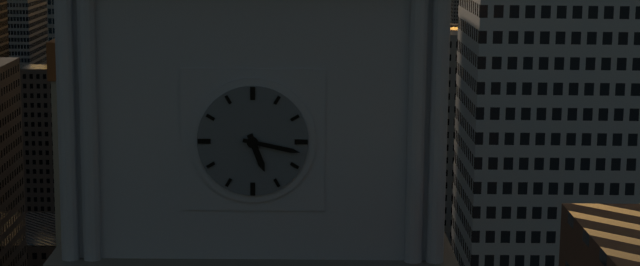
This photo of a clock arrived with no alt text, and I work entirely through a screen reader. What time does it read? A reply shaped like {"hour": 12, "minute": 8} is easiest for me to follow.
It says {"hour": 5, "minute": 17}
